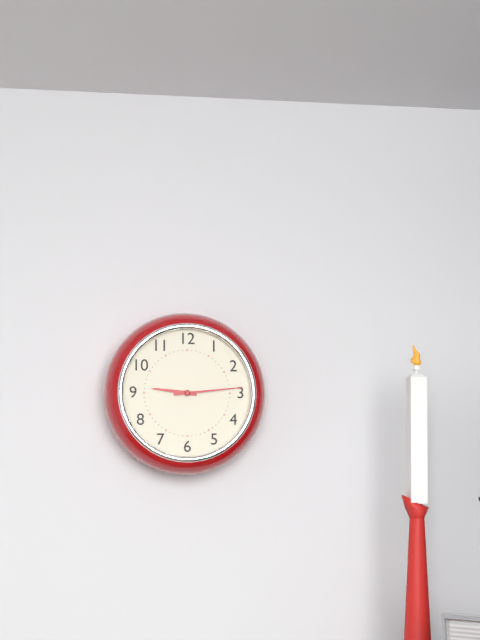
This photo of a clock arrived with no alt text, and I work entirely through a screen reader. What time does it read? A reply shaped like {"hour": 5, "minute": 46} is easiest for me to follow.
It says {"hour": 9, "minute": 14}
